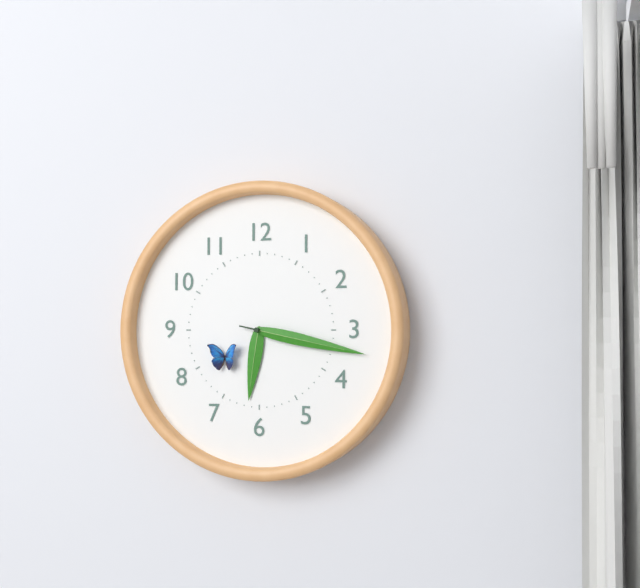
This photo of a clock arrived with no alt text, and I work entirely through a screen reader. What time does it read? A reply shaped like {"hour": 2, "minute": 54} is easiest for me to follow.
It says {"hour": 6, "minute": 17}
